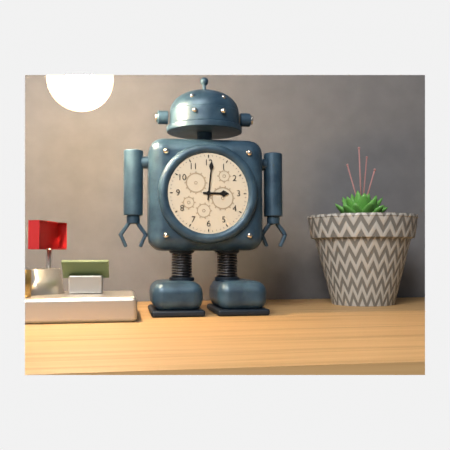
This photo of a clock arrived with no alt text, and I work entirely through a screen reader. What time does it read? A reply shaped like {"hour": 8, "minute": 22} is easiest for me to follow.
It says {"hour": 3, "minute": 1}
